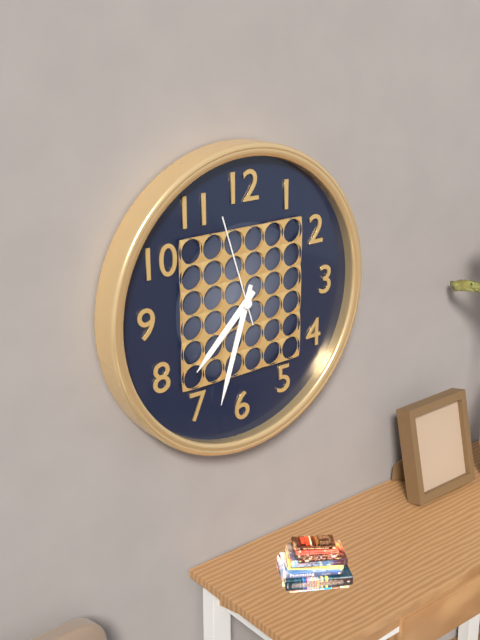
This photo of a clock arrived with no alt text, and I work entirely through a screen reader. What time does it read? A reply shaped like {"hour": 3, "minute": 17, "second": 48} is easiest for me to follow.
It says {"hour": 7, "minute": 33, "second": 57}
